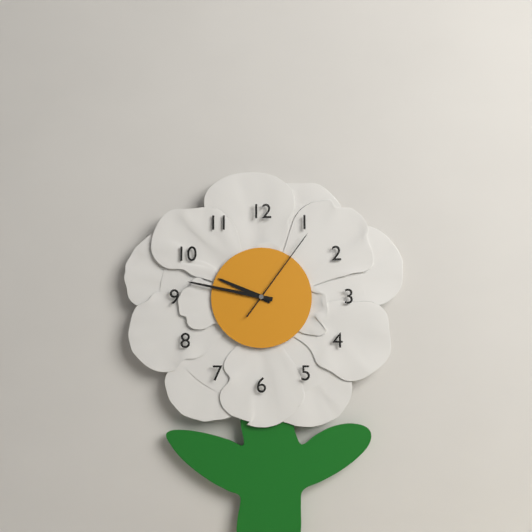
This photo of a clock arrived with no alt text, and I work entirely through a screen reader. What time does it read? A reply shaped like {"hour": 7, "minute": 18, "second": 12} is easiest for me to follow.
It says {"hour": 9, "minute": 47, "second": 6}
